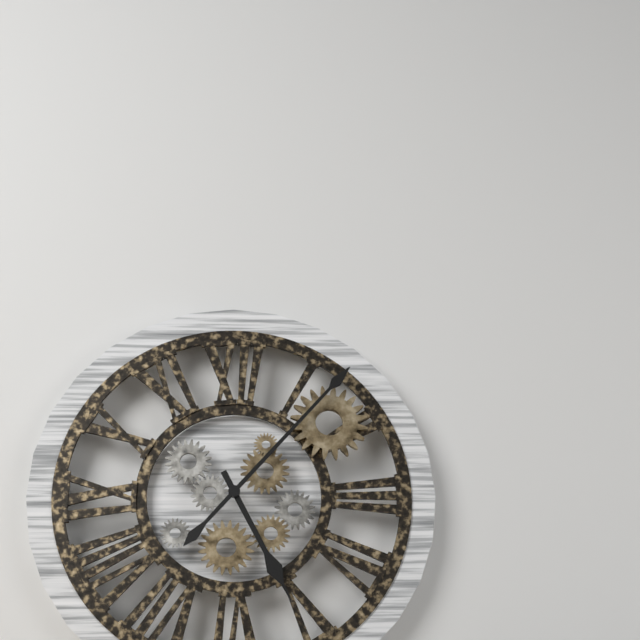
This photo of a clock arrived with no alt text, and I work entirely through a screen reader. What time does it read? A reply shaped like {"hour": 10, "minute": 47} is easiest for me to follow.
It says {"hour": 5, "minute": 7}
